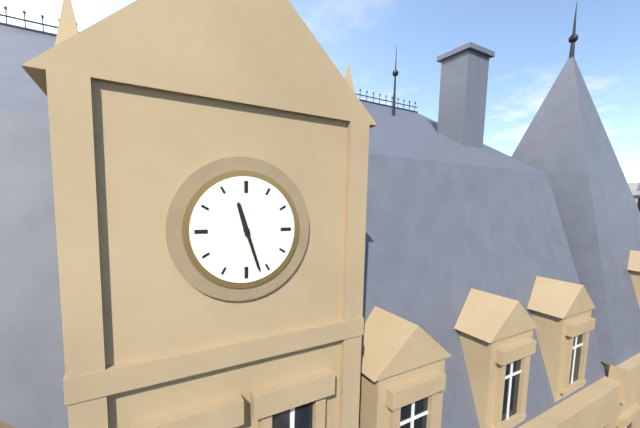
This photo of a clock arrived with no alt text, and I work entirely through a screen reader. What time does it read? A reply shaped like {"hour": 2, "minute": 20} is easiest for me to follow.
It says {"hour": 11, "minute": 27}
